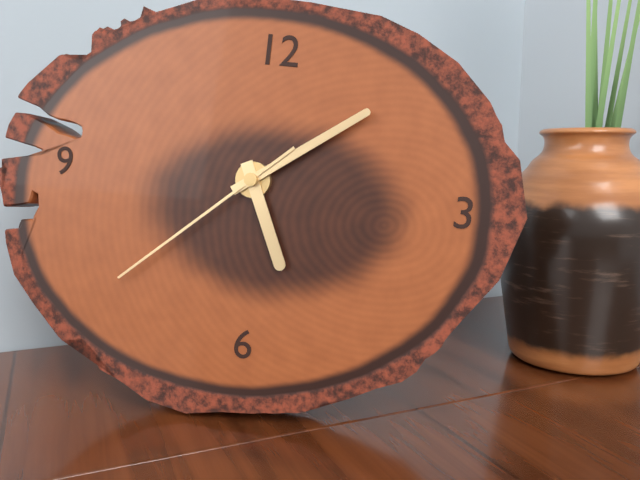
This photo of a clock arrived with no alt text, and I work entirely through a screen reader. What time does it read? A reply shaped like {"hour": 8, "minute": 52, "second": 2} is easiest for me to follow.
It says {"hour": 5, "minute": 9, "second": 38}
